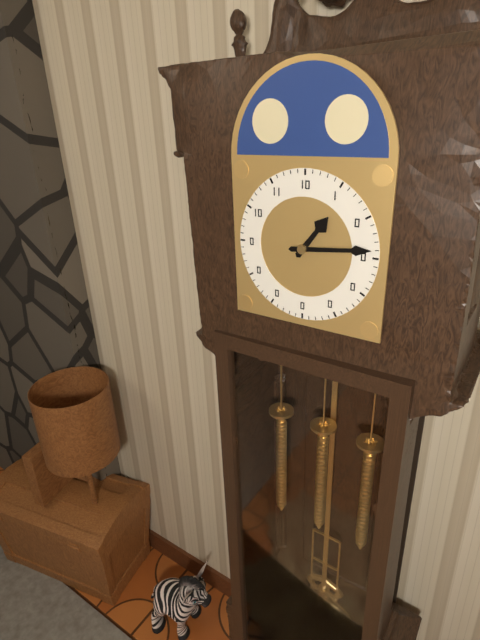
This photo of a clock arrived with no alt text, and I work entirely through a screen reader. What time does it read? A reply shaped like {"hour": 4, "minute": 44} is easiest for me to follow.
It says {"hour": 1, "minute": 14}
